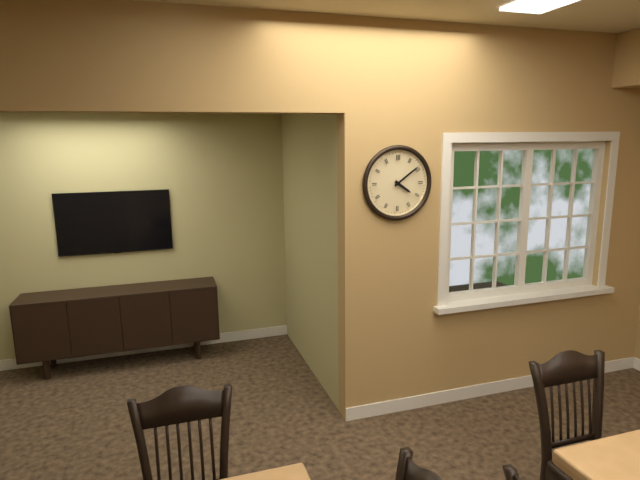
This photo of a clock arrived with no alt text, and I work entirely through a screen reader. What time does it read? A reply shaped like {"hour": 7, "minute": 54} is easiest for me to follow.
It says {"hour": 4, "minute": 9}
